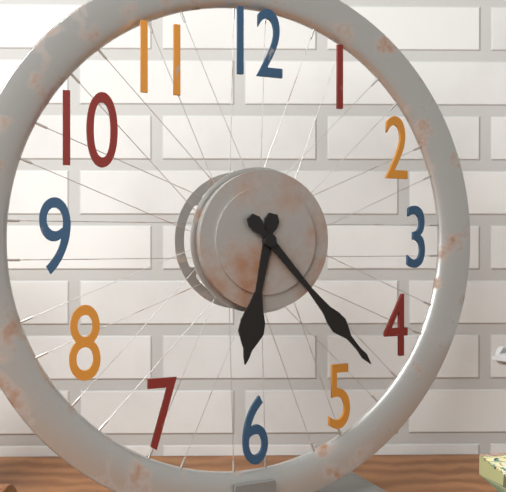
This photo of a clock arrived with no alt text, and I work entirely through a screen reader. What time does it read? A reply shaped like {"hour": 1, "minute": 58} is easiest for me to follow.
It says {"hour": 6, "minute": 23}
